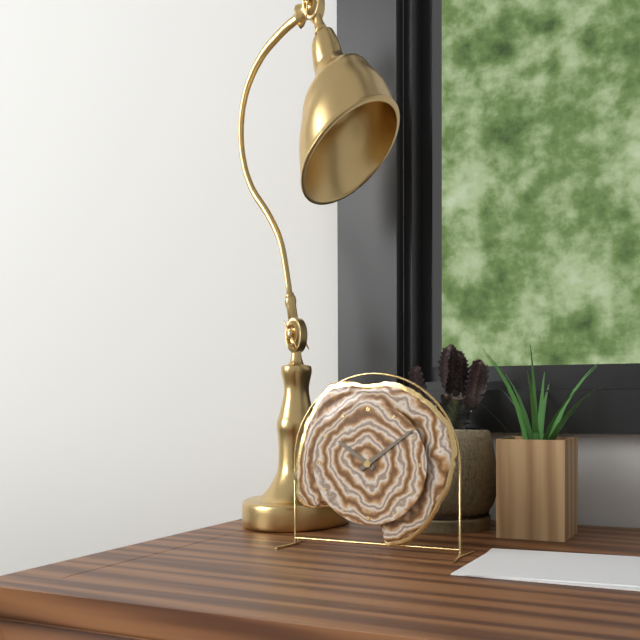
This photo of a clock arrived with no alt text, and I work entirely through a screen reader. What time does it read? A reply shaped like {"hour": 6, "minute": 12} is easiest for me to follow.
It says {"hour": 10, "minute": 9}
